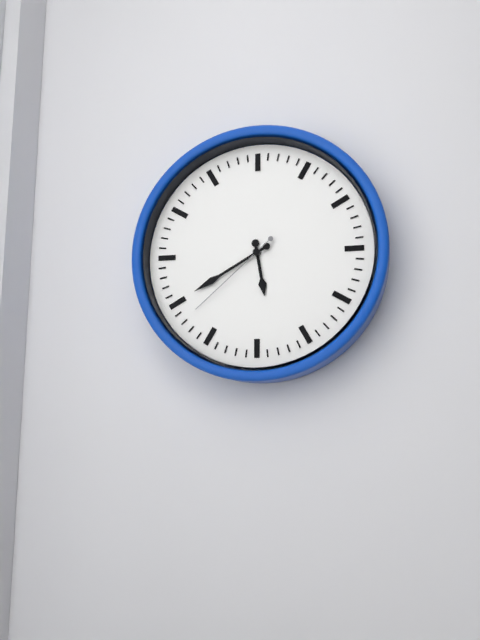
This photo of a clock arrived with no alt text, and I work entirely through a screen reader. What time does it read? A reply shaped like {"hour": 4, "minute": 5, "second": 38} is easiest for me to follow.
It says {"hour": 5, "minute": 40, "second": 38}
